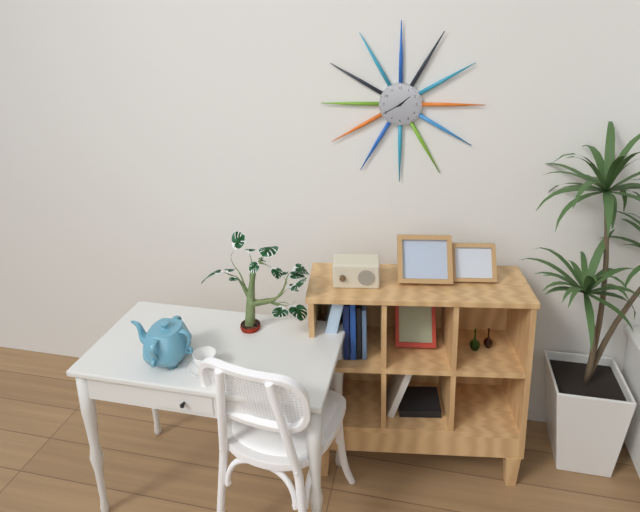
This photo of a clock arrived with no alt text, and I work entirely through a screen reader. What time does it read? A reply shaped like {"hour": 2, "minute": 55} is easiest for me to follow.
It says {"hour": 1, "minute": 40}
